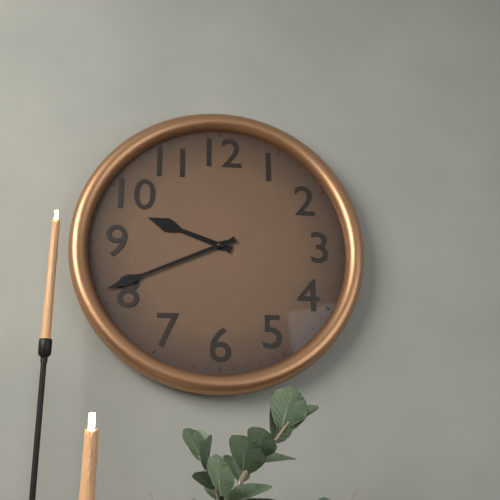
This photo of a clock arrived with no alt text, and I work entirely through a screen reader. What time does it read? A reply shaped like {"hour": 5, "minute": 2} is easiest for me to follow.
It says {"hour": 9, "minute": 41}
